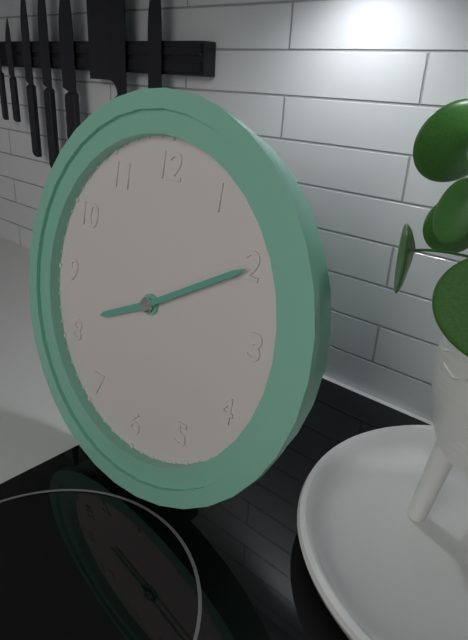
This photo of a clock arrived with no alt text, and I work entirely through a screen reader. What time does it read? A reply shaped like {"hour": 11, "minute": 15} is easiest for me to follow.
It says {"hour": 8, "minute": 10}
